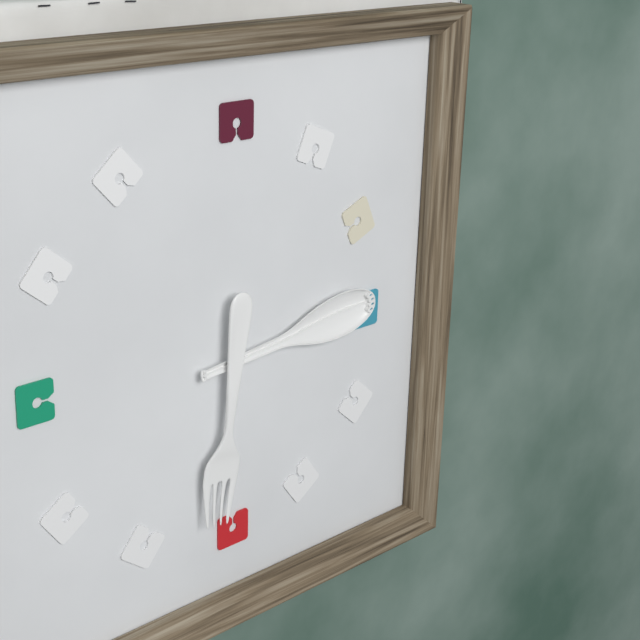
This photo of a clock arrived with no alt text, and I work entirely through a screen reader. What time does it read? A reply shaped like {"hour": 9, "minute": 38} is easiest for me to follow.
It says {"hour": 6, "minute": 14}
